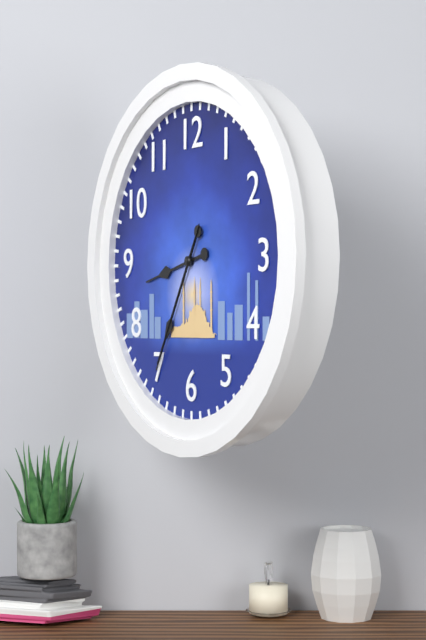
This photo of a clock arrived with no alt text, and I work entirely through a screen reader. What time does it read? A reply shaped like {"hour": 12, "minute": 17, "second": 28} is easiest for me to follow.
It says {"hour": 8, "minute": 35, "second": 35}
